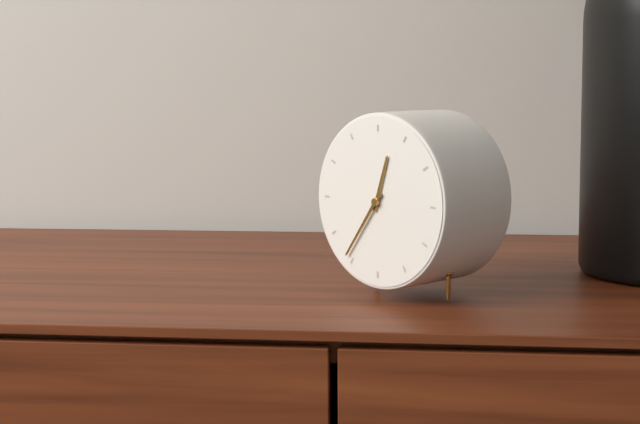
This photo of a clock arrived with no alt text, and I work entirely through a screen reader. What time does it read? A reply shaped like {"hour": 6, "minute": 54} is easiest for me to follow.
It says {"hour": 12, "minute": 36}
